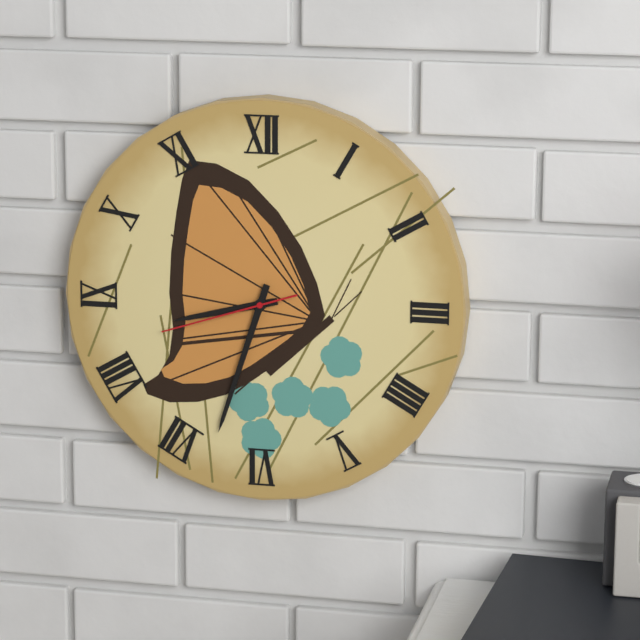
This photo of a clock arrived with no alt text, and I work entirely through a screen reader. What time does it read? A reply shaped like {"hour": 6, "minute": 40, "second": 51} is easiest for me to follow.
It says {"hour": 8, "minute": 33, "second": 42}
